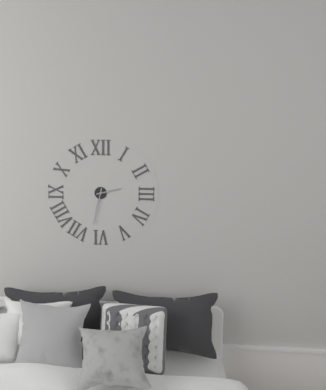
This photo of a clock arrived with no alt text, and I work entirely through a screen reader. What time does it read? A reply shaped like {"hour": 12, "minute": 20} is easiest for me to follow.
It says {"hour": 2, "minute": 32}
